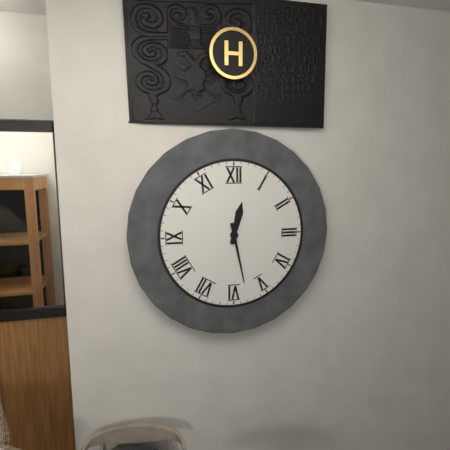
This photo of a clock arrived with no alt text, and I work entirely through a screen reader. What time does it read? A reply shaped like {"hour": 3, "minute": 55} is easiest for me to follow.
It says {"hour": 12, "minute": 28}
